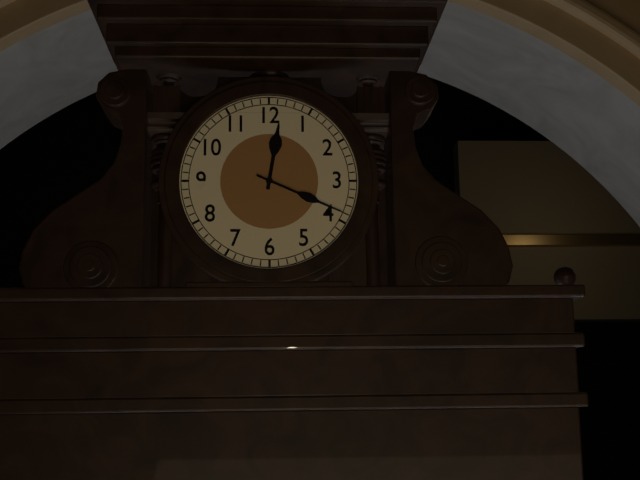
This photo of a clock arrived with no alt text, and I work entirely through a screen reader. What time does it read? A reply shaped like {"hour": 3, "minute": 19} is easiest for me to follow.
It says {"hour": 12, "minute": 19}
